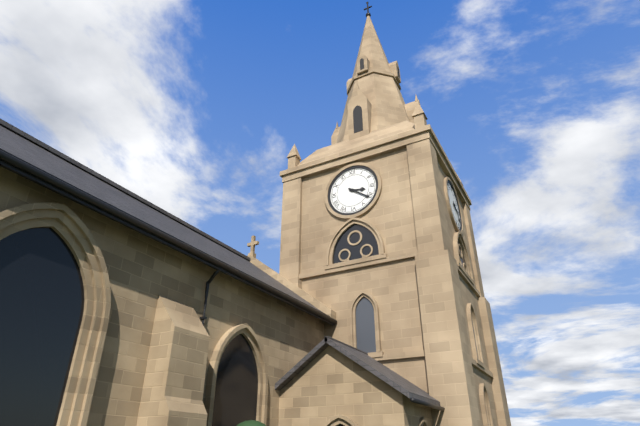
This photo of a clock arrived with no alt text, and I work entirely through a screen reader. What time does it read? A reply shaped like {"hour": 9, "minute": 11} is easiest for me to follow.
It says {"hour": 3, "minute": 21}
